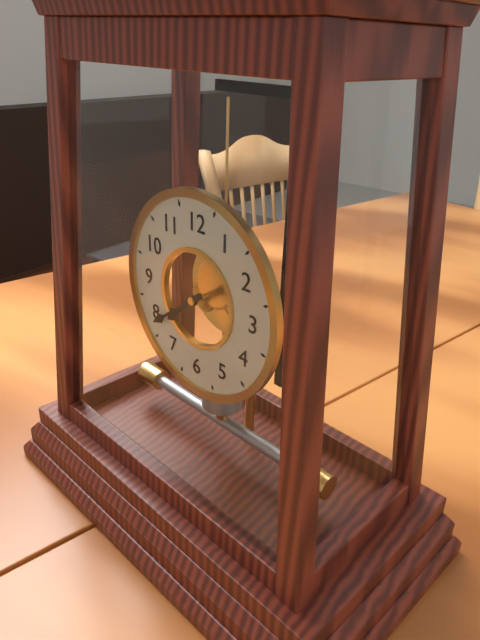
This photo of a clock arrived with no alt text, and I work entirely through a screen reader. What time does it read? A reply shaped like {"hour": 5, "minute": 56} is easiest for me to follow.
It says {"hour": 7, "minute": 39}
